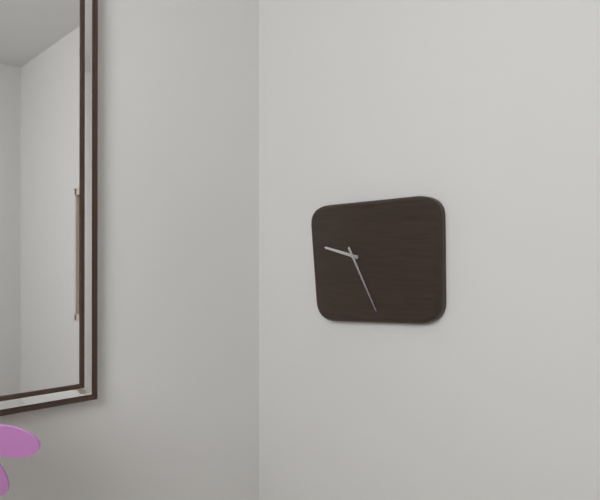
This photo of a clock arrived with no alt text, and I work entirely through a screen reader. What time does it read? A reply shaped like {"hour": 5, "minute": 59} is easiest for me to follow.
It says {"hour": 9, "minute": 25}
